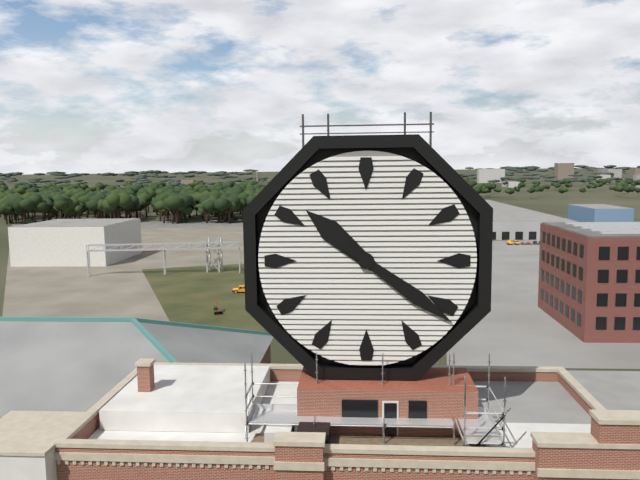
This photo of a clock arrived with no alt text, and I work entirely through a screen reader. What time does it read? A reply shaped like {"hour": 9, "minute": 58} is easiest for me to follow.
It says {"hour": 10, "minute": 21}
